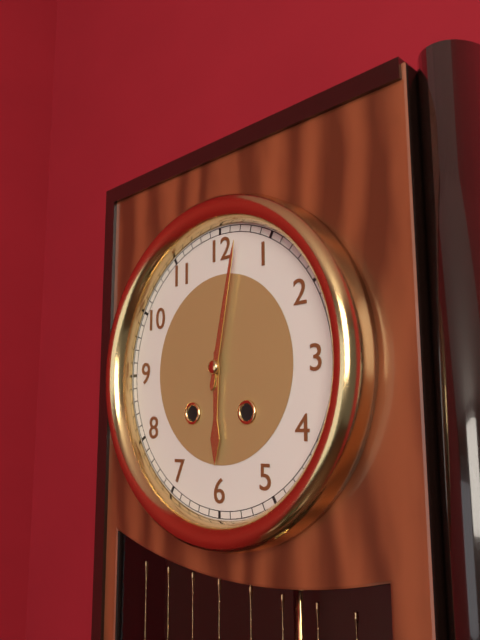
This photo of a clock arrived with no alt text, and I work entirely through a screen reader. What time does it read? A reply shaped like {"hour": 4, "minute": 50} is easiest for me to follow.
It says {"hour": 6, "minute": 2}
